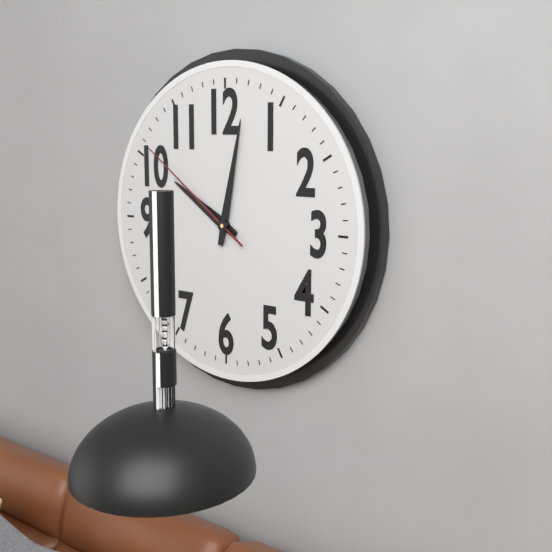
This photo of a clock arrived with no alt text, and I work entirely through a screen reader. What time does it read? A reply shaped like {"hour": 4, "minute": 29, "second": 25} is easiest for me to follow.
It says {"hour": 10, "minute": 2, "second": 51}
